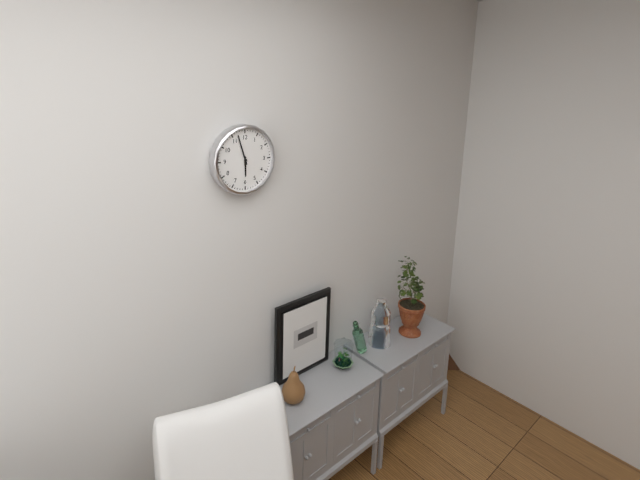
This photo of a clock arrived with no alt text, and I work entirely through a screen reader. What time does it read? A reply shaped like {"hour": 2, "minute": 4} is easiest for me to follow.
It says {"hour": 5, "minute": 57}
